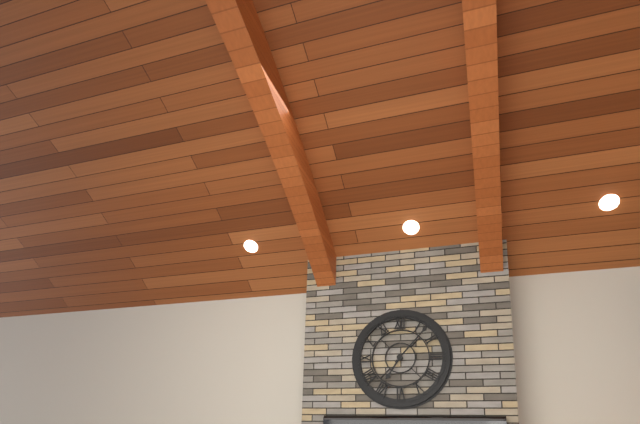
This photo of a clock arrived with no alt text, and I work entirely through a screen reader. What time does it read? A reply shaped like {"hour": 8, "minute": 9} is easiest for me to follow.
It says {"hour": 7, "minute": 7}
